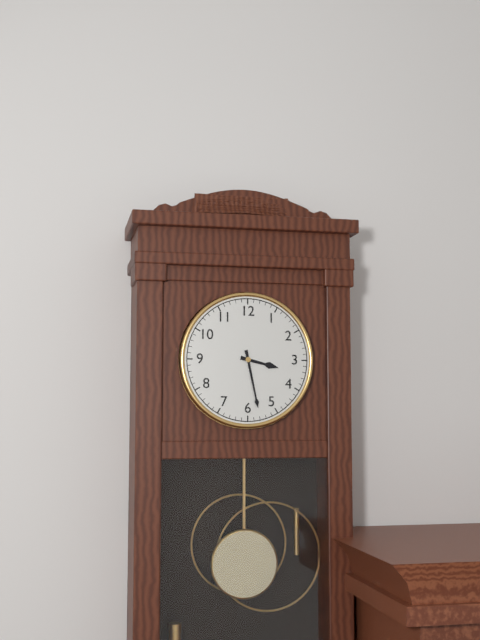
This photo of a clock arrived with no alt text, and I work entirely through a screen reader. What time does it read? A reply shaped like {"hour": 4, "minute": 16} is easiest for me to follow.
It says {"hour": 3, "minute": 28}
